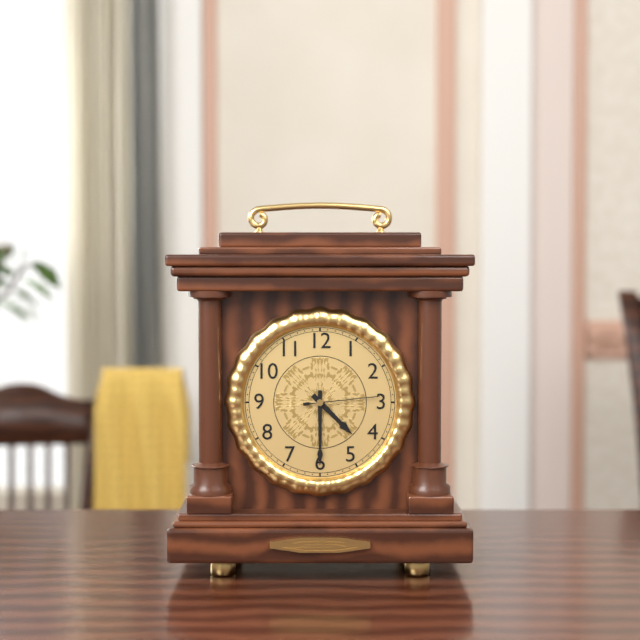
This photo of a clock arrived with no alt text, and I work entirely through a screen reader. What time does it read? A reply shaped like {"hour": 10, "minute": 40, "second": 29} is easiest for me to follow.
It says {"hour": 4, "minute": 30, "second": 14}
